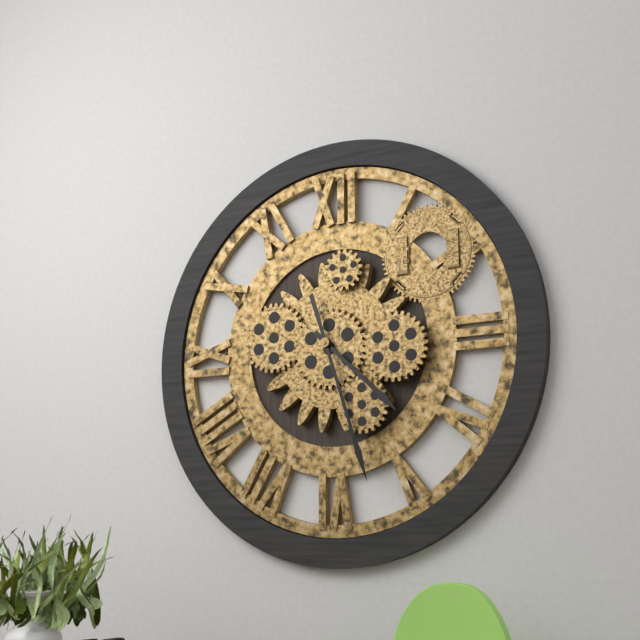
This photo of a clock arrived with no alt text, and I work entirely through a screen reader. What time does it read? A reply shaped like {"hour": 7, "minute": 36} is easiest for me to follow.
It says {"hour": 4, "minute": 27}
